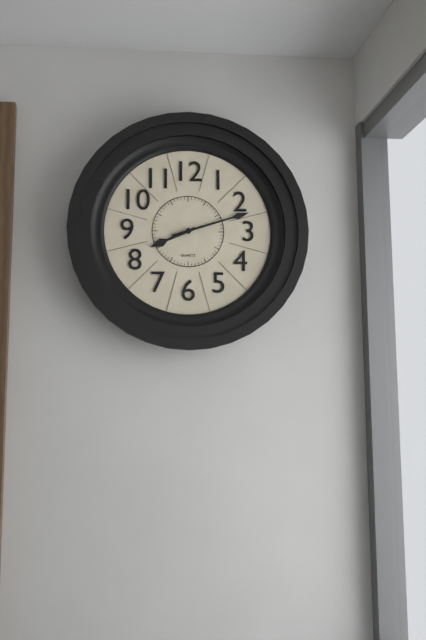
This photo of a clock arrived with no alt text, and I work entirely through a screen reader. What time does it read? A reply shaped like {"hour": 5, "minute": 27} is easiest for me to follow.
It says {"hour": 8, "minute": 12}
